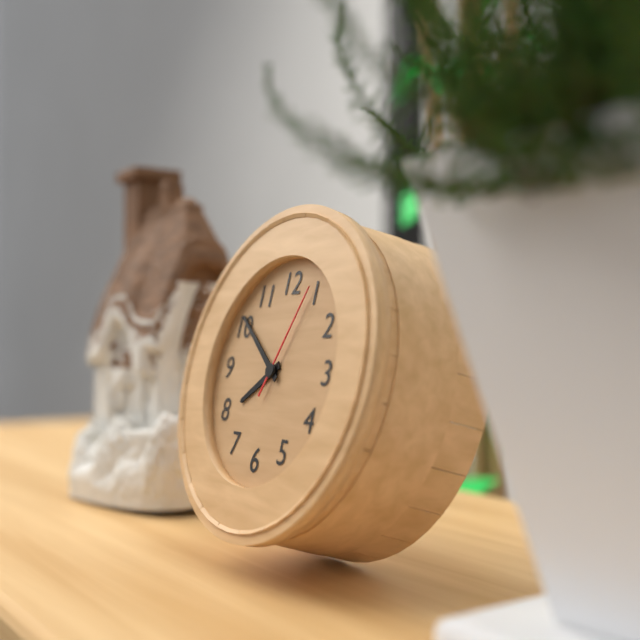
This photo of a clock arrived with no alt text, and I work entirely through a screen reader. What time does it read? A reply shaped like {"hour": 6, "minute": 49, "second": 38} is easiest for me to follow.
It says {"hour": 7, "minute": 51, "second": 4}
